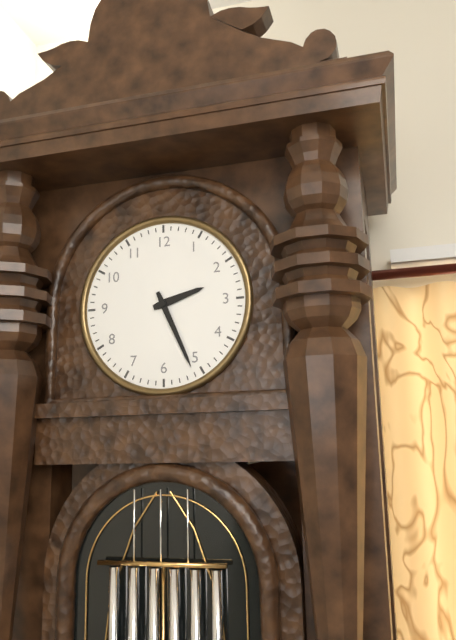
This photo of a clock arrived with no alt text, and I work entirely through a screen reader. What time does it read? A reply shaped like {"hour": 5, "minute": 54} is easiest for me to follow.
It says {"hour": 2, "minute": 26}
